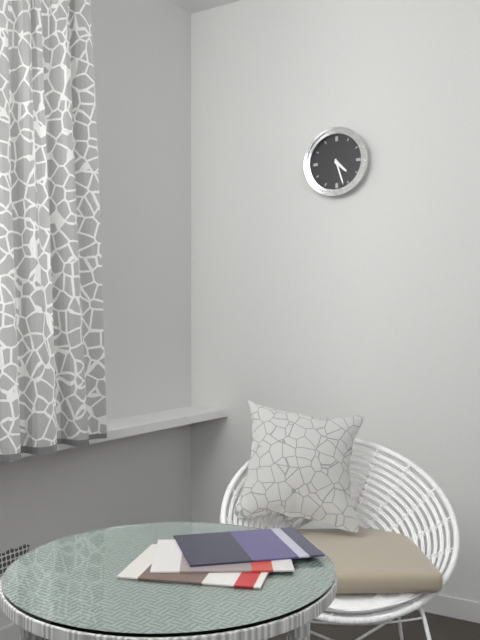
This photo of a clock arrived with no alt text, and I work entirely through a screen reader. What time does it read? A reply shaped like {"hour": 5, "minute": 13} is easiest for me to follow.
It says {"hour": 4, "minute": 27}
